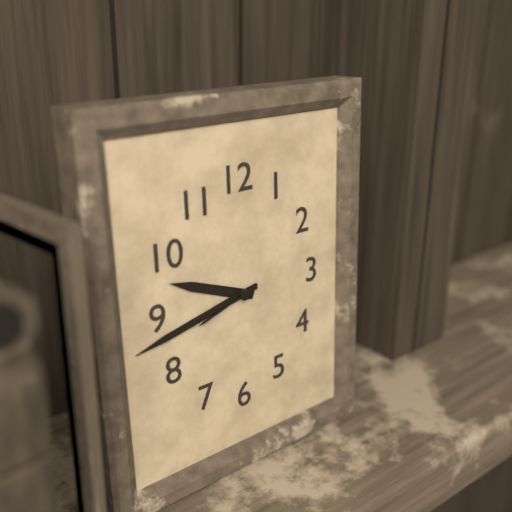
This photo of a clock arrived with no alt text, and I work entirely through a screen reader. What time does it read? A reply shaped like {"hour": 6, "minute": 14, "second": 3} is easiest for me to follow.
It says {"hour": 9, "minute": 43, "second": 42}
